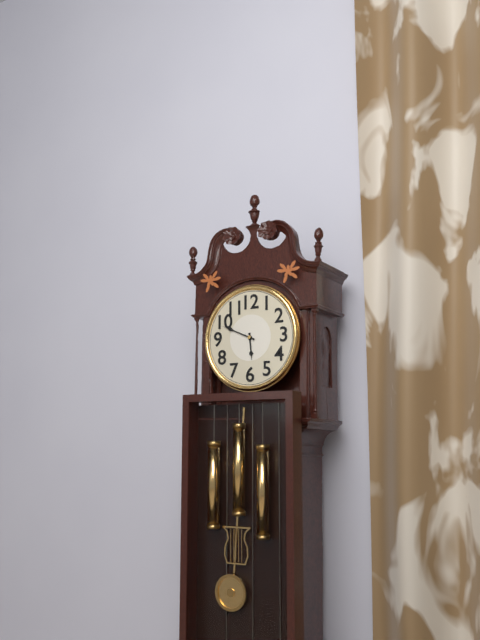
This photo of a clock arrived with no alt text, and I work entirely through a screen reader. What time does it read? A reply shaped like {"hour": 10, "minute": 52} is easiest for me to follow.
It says {"hour": 5, "minute": 49}
